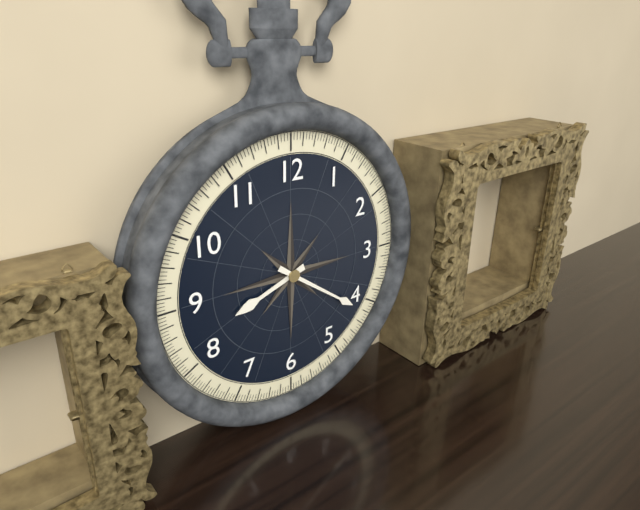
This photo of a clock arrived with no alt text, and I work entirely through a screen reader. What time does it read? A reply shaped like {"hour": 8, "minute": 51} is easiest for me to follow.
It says {"hour": 8, "minute": 21}
